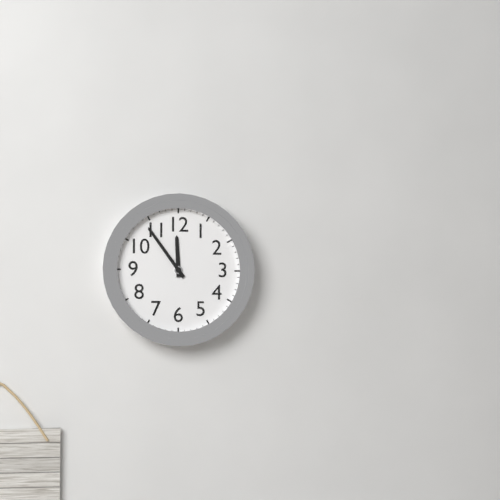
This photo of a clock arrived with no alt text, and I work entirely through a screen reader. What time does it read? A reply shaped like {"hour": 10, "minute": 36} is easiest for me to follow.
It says {"hour": 11, "minute": 54}
